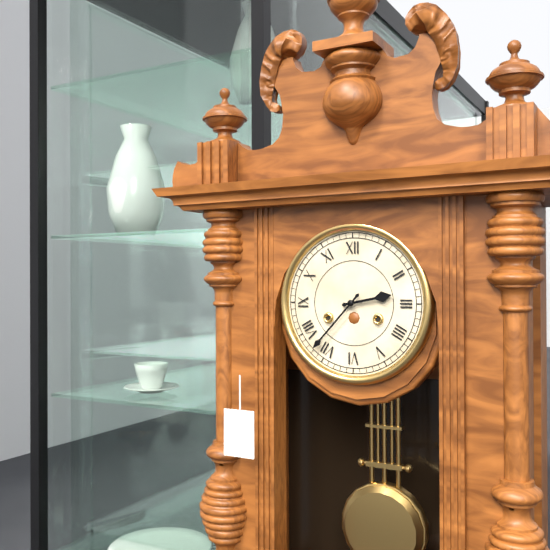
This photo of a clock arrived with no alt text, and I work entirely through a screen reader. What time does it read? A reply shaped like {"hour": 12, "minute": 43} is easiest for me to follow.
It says {"hour": 2, "minute": 37}
